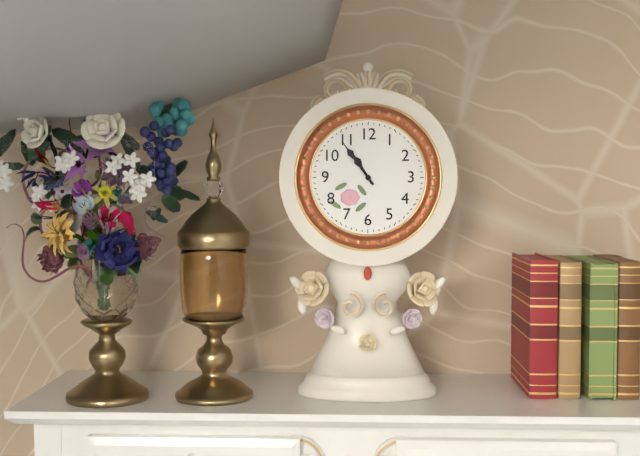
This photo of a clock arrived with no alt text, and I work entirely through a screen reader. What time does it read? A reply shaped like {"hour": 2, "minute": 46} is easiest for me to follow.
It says {"hour": 10, "minute": 54}
